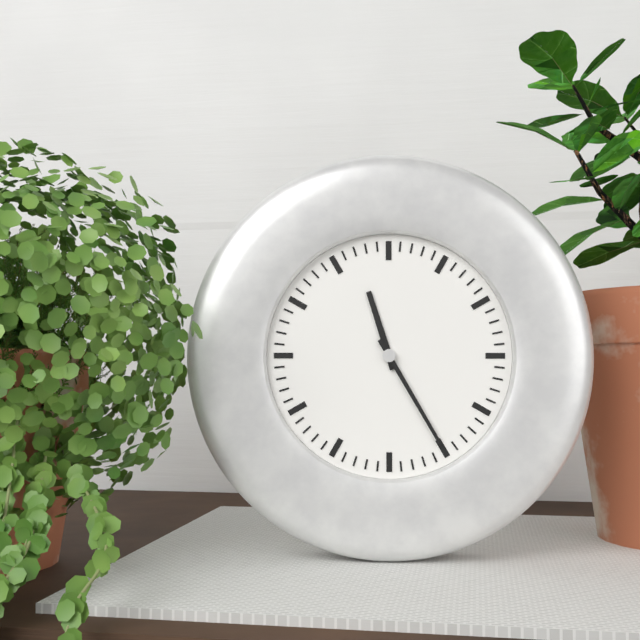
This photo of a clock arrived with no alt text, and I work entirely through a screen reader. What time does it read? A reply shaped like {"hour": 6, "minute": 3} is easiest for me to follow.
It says {"hour": 11, "minute": 25}
